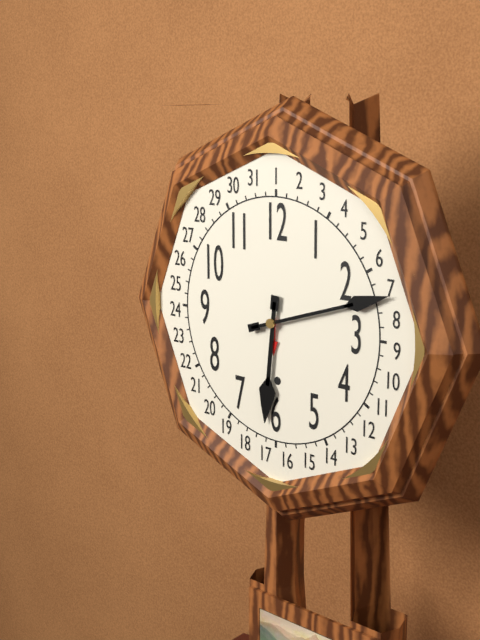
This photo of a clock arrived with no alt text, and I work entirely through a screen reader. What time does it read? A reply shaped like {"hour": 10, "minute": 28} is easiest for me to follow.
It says {"hour": 6, "minute": 12}
